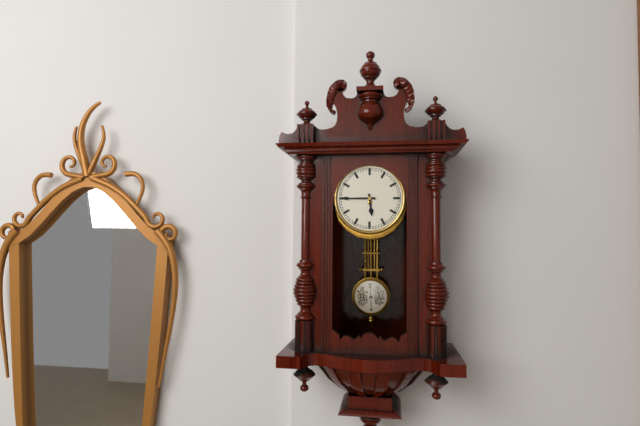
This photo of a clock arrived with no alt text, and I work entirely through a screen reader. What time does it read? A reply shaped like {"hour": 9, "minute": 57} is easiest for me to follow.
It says {"hour": 5, "minute": 45}
